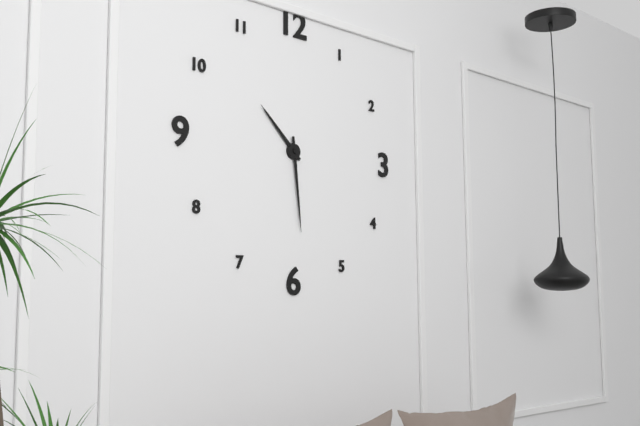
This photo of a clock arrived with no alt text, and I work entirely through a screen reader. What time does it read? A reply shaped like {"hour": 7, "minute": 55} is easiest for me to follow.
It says {"hour": 10, "minute": 29}
